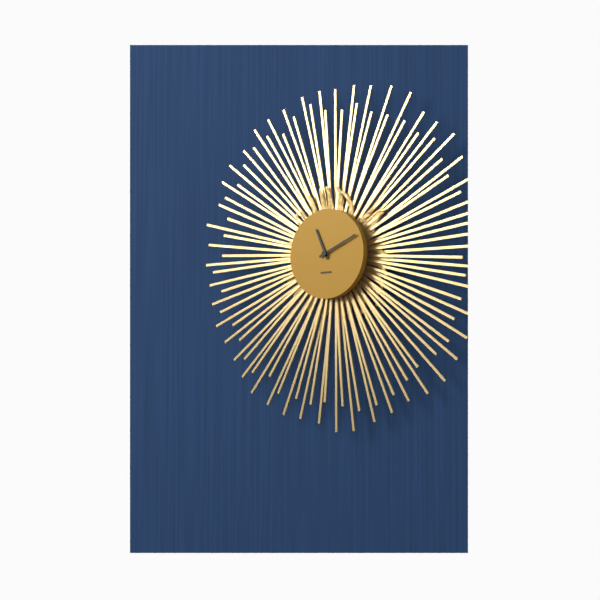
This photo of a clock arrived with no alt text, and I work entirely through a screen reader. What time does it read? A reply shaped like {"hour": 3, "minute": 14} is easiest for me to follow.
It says {"hour": 11, "minute": 11}
